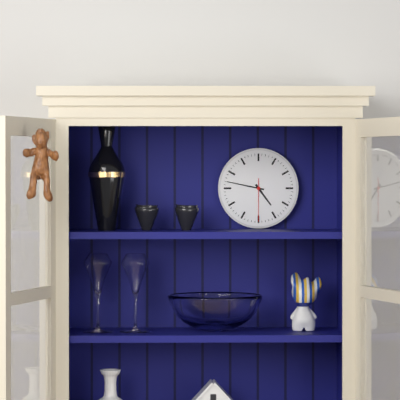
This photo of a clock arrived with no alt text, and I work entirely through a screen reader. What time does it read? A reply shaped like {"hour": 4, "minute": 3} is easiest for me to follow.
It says {"hour": 4, "minute": 47}
